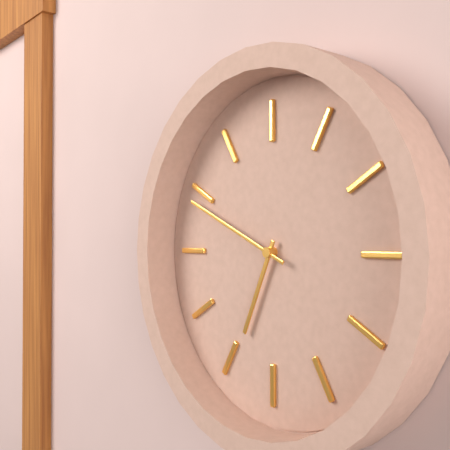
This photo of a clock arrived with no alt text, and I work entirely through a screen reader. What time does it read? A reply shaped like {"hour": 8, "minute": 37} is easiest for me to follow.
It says {"hour": 6, "minute": 49}
